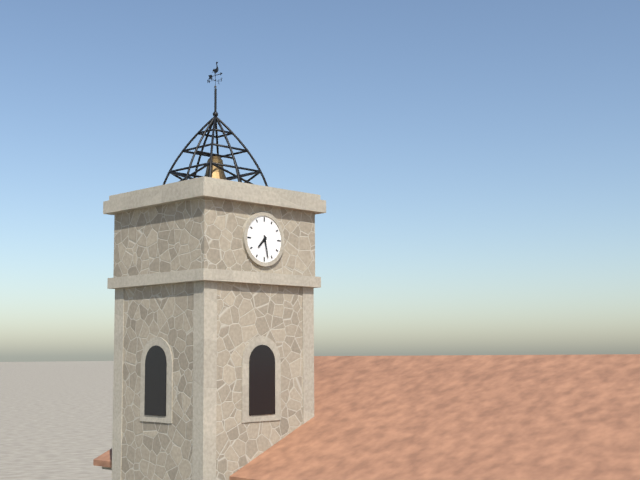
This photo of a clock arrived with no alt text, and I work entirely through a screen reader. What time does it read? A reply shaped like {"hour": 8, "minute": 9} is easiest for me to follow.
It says {"hour": 7, "minute": 28}
